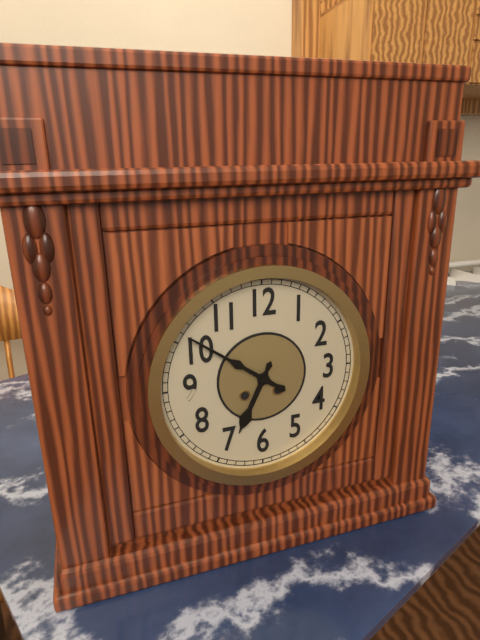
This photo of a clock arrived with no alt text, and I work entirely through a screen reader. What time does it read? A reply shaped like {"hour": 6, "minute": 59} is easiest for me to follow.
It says {"hour": 6, "minute": 51}
